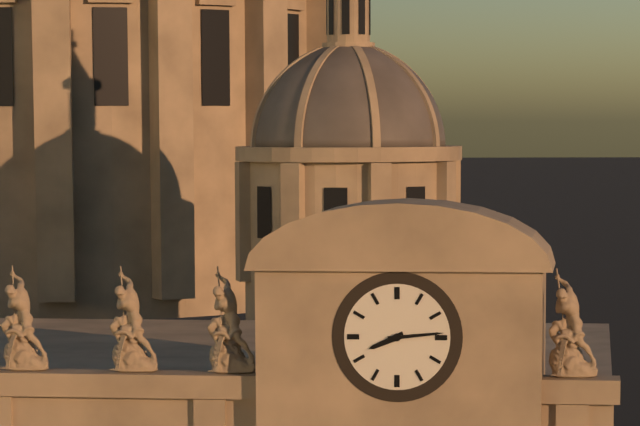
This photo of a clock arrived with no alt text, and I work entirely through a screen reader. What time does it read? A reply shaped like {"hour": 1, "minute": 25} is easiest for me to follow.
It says {"hour": 8, "minute": 14}
